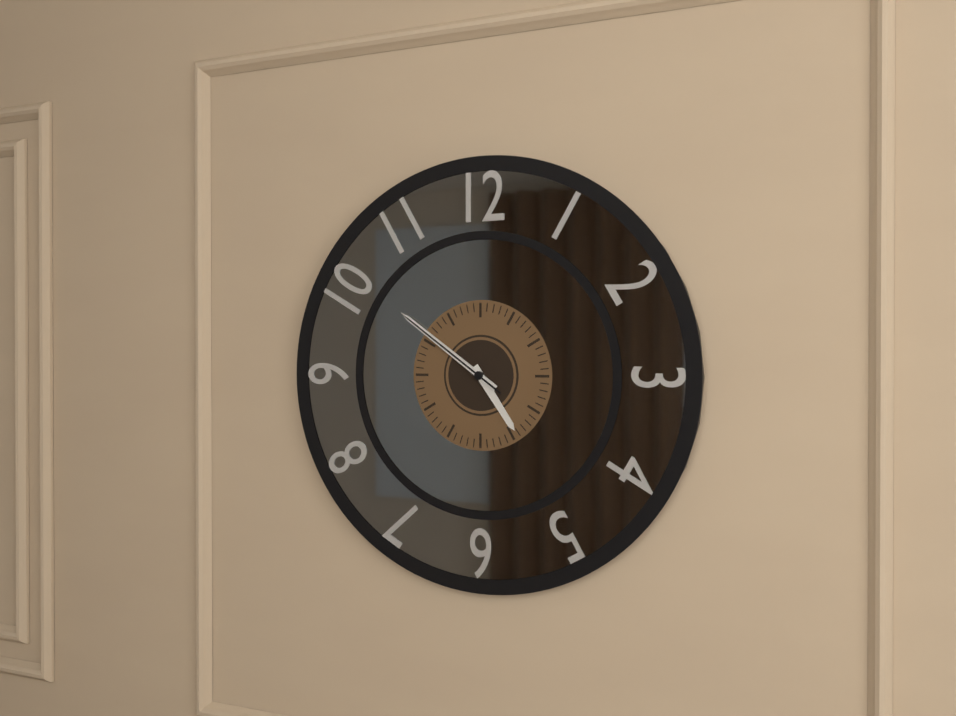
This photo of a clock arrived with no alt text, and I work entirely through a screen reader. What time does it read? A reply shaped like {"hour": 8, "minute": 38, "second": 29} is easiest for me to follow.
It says {"hour": 4, "minute": 51, "second": 51}
